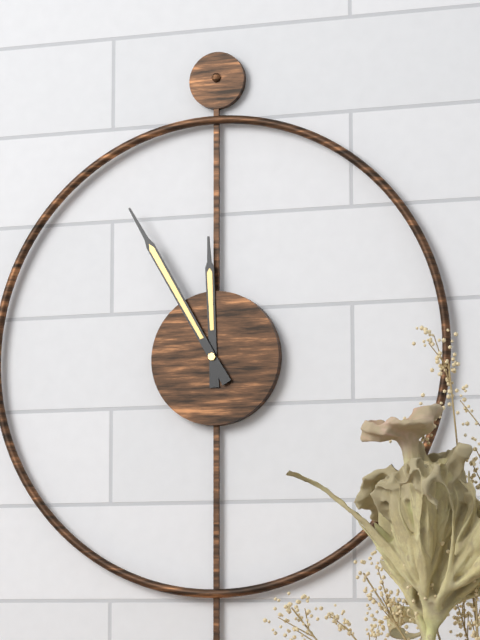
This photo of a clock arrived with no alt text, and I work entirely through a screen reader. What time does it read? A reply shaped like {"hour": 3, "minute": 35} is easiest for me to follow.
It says {"hour": 11, "minute": 55}
